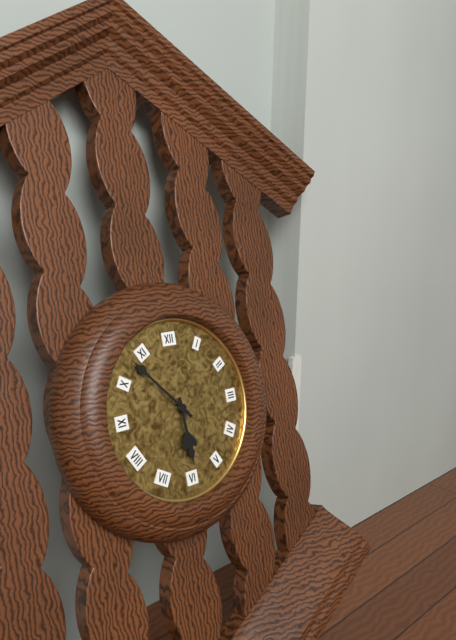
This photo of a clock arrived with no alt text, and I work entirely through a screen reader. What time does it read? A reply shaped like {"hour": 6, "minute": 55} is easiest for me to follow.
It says {"hour": 5, "minute": 53}
